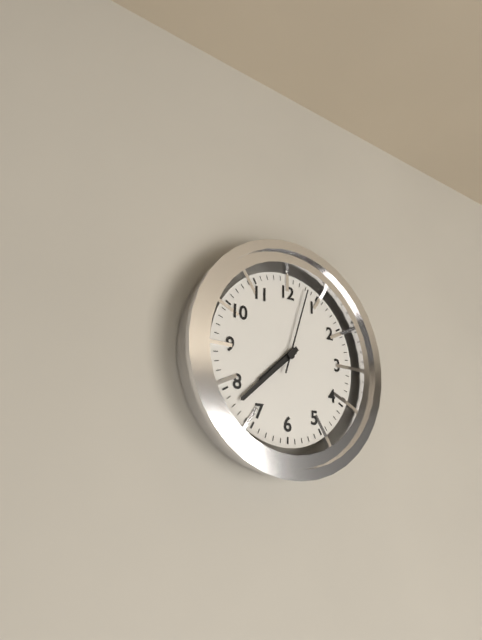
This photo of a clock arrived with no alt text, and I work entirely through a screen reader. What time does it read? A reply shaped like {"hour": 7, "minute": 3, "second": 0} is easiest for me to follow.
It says {"hour": 7, "minute": 38, "second": 3}
